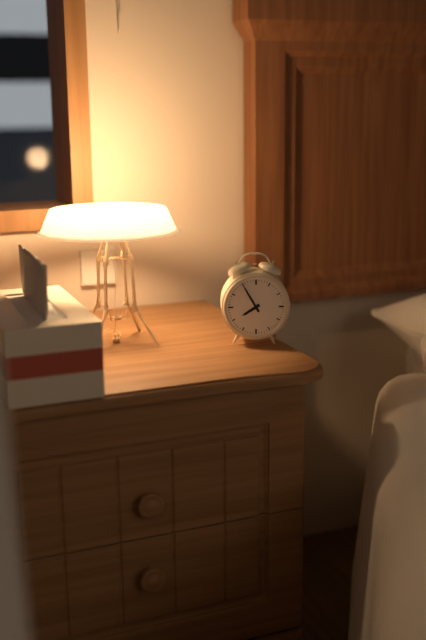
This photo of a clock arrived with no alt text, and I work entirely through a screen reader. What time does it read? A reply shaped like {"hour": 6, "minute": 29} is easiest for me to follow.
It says {"hour": 7, "minute": 55}
